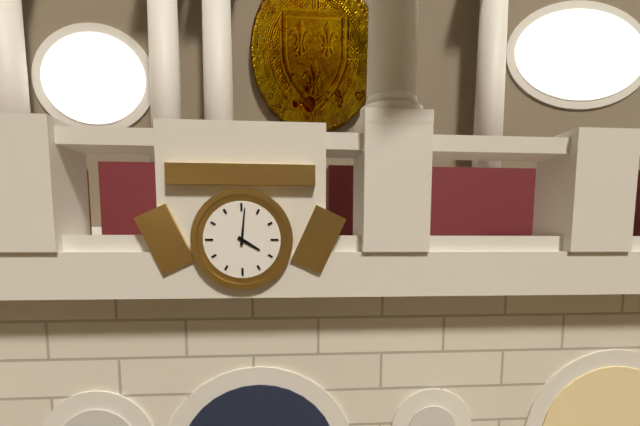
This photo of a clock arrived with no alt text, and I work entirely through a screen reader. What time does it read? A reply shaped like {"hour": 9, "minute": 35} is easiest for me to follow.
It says {"hour": 4, "minute": 1}
